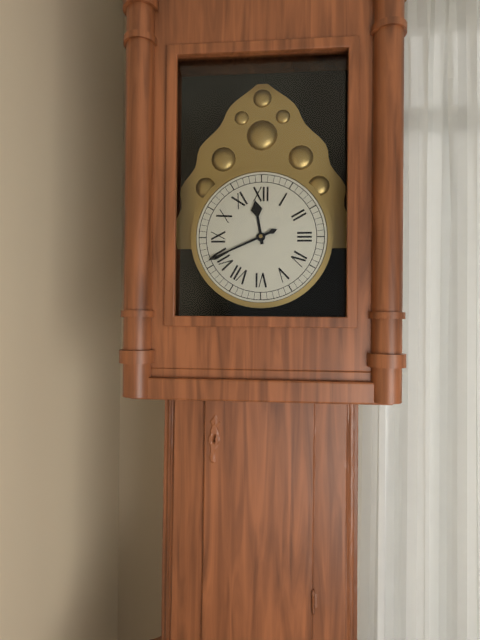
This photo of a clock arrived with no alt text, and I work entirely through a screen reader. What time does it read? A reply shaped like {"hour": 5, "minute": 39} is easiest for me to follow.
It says {"hour": 11, "minute": 41}
